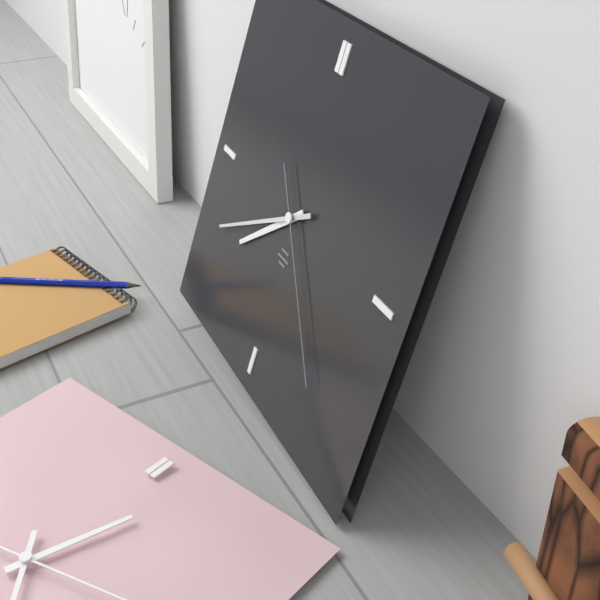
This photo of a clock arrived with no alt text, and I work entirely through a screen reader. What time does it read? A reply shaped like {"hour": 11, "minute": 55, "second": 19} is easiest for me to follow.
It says {"hour": 7, "minute": 40, "second": 23}
